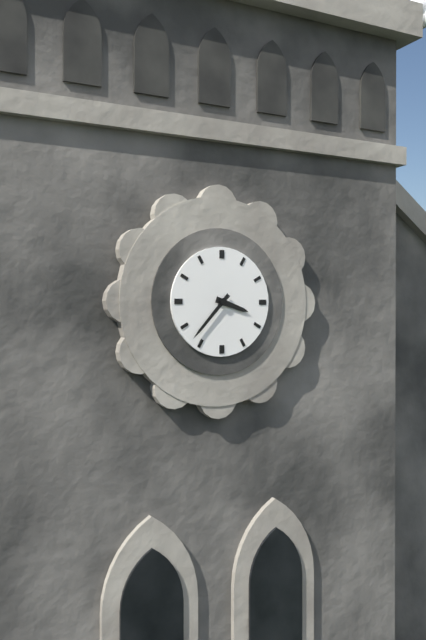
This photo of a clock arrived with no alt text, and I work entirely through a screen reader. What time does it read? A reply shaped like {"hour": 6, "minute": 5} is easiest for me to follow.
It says {"hour": 3, "minute": 37}
